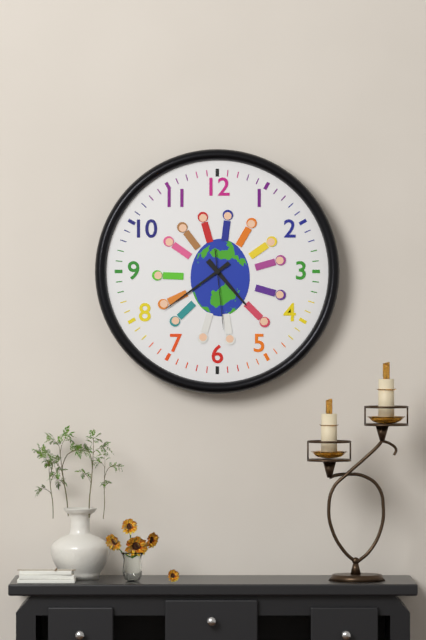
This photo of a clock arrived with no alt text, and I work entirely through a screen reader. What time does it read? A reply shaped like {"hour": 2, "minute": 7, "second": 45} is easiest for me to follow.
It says {"hour": 4, "minute": 39, "second": 29}
